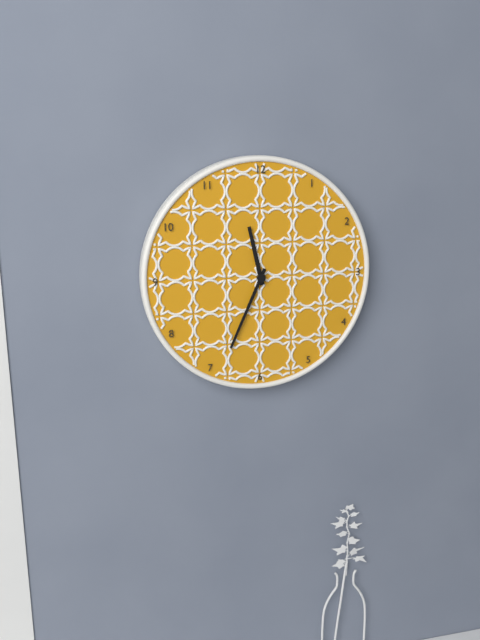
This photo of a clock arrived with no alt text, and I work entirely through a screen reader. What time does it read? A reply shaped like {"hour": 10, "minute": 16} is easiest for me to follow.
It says {"hour": 11, "minute": 34}
